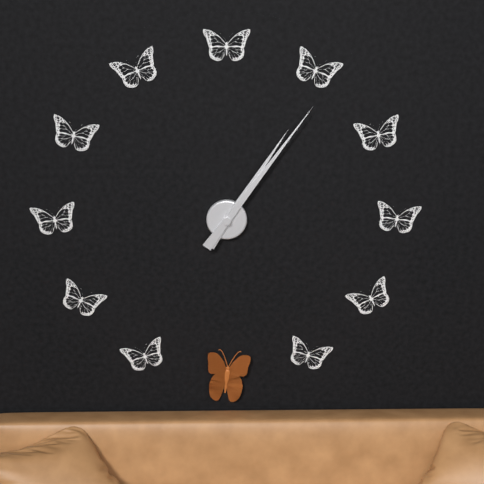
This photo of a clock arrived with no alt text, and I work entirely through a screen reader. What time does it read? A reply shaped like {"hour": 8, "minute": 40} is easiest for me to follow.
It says {"hour": 1, "minute": 6}
